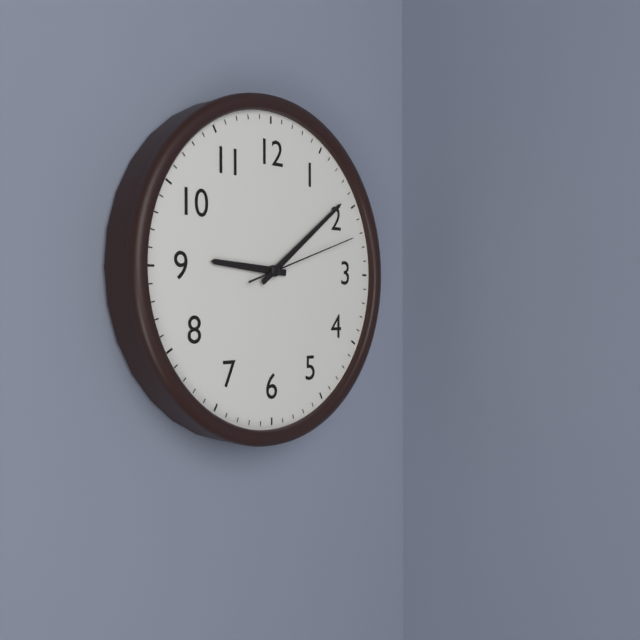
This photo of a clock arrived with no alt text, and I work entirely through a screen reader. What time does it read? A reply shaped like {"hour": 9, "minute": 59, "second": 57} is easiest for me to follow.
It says {"hour": 9, "minute": 9, "second": 12}
